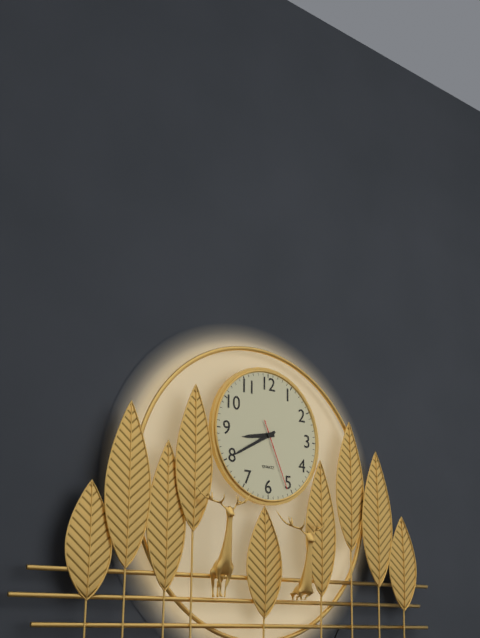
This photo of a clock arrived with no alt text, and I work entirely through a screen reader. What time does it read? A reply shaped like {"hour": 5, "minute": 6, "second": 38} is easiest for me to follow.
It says {"hour": 8, "minute": 40, "second": 26}
